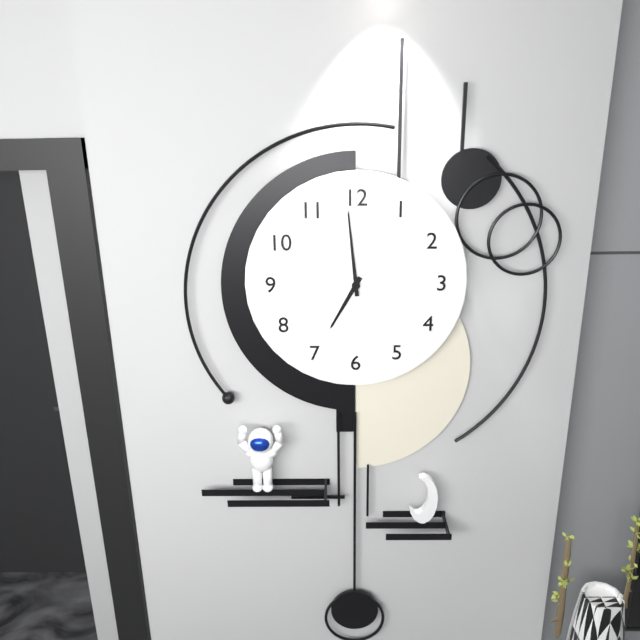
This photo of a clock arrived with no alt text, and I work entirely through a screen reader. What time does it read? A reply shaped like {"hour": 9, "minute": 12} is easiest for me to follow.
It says {"hour": 6, "minute": 59}
